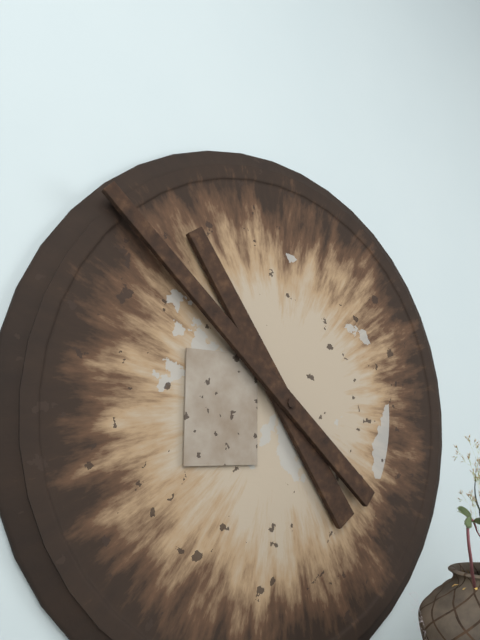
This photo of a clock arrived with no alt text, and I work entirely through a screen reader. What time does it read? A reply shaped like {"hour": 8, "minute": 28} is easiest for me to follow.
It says {"hour": 10, "minute": 52}
